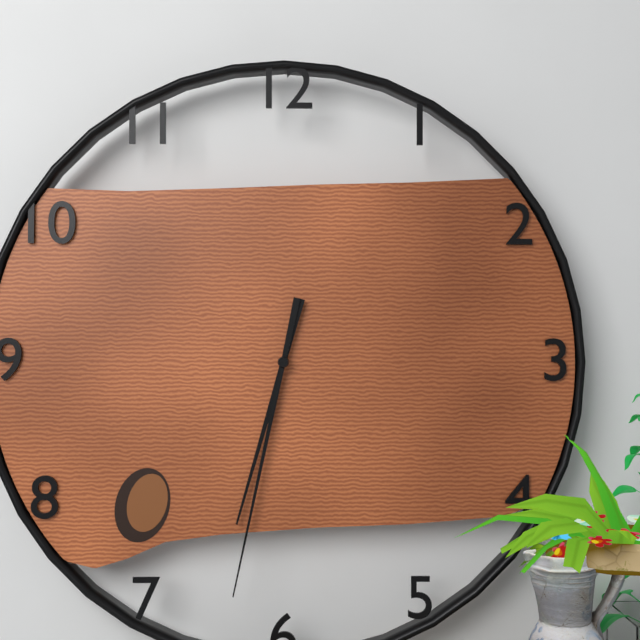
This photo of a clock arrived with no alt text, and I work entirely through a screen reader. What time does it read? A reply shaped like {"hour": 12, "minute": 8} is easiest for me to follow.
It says {"hour": 6, "minute": 32}
